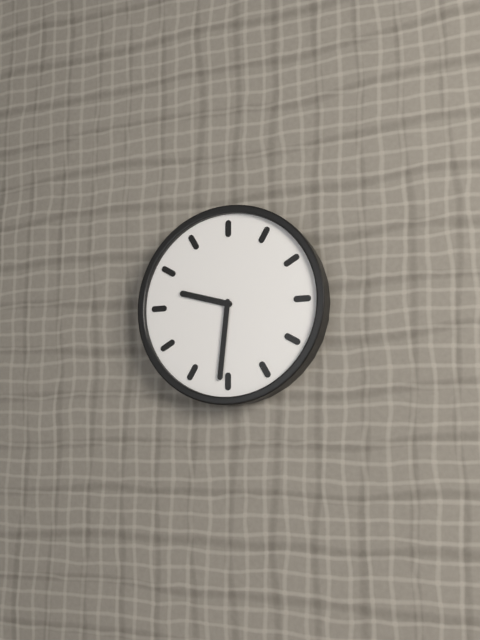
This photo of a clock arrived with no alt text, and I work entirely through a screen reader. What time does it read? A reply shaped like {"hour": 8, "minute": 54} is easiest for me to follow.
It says {"hour": 9, "minute": 31}
